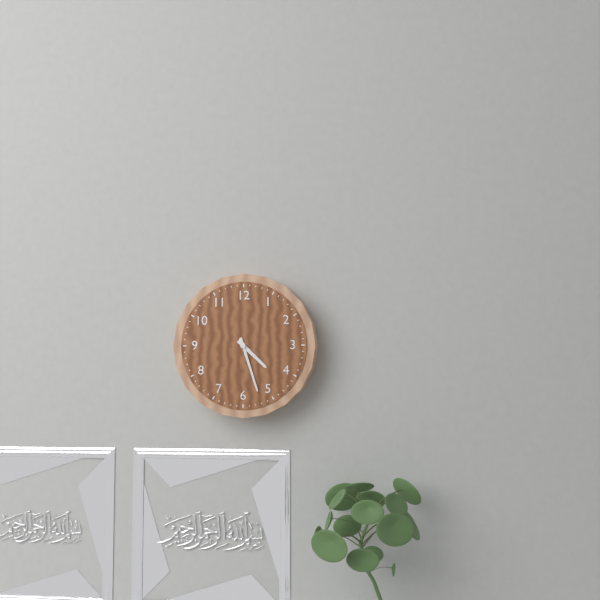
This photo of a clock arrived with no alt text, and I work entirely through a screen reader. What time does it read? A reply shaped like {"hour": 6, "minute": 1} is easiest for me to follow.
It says {"hour": 4, "minute": 27}
